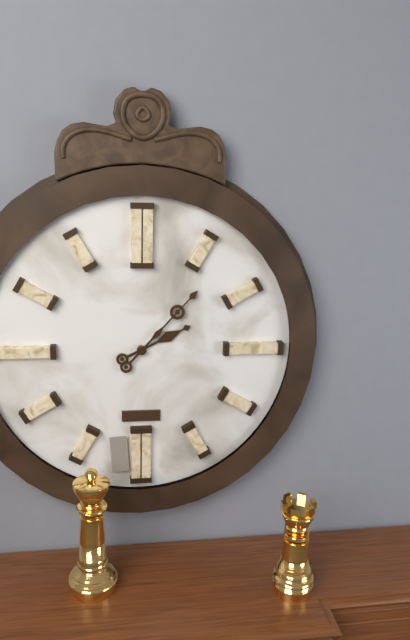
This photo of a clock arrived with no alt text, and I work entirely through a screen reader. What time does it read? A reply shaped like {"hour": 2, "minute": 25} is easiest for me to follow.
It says {"hour": 2, "minute": 7}
